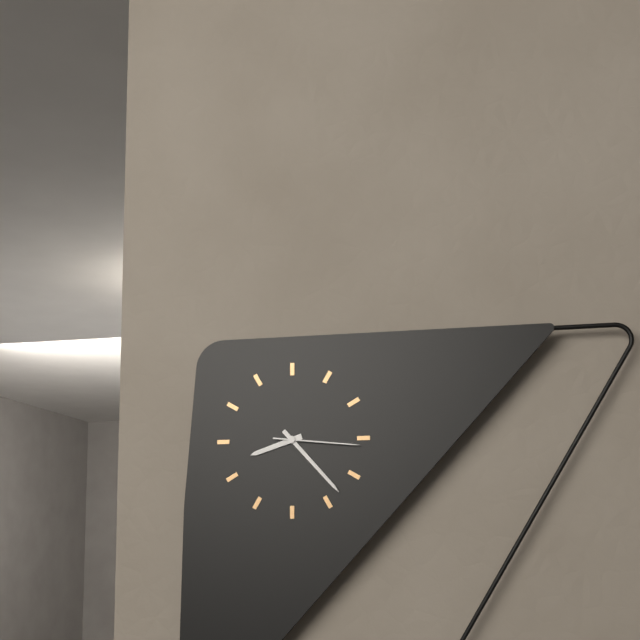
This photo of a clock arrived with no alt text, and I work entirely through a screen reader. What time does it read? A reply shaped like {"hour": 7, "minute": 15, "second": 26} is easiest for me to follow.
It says {"hour": 8, "minute": 23, "second": 16}
